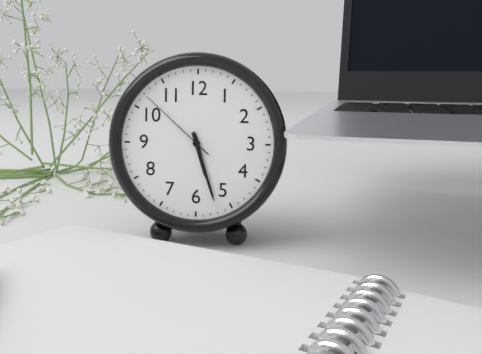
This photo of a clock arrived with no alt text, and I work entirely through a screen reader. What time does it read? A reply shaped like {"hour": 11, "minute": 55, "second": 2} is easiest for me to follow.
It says {"hour": 5, "minute": 27, "second": 52}
